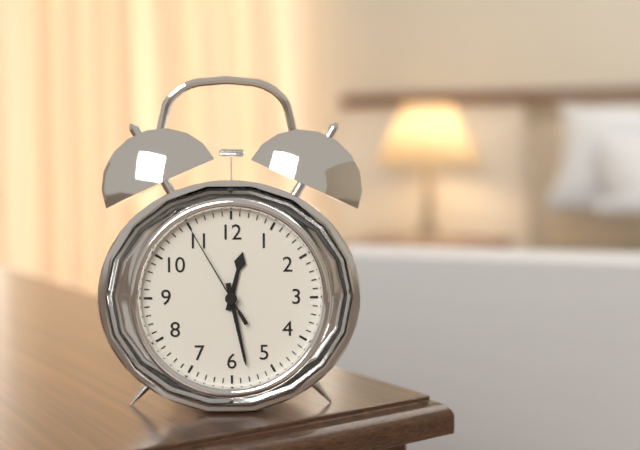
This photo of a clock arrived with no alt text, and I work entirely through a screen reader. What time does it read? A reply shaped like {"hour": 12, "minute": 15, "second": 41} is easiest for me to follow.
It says {"hour": 12, "minute": 28, "second": 55}
